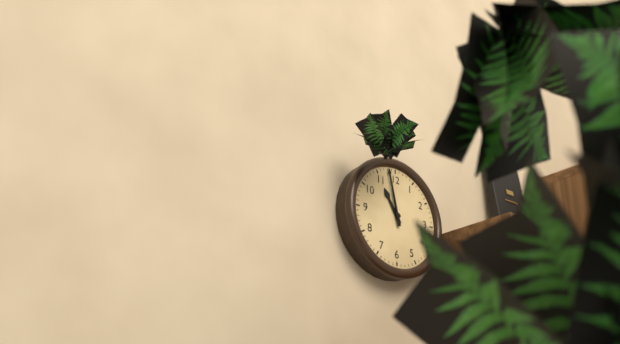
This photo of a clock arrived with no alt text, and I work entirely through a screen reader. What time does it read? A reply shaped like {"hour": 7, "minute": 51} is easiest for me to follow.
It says {"hour": 10, "minute": 58}
